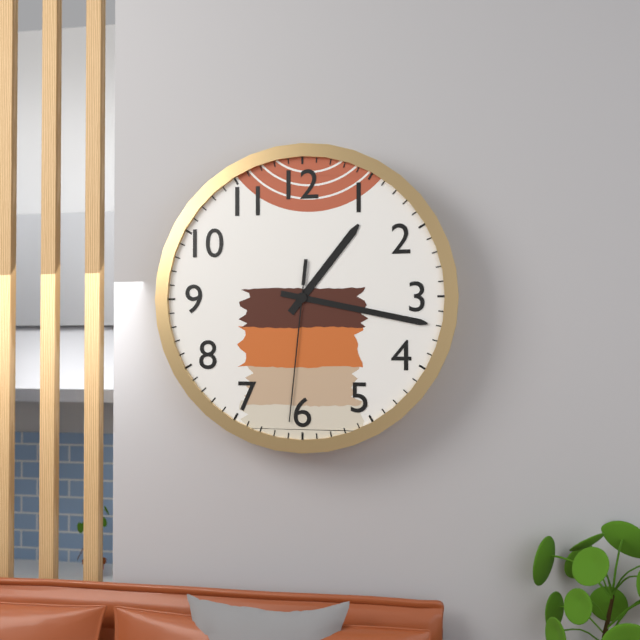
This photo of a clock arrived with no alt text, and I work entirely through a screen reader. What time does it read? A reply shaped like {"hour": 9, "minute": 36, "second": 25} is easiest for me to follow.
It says {"hour": 1, "minute": 17, "second": 31}
